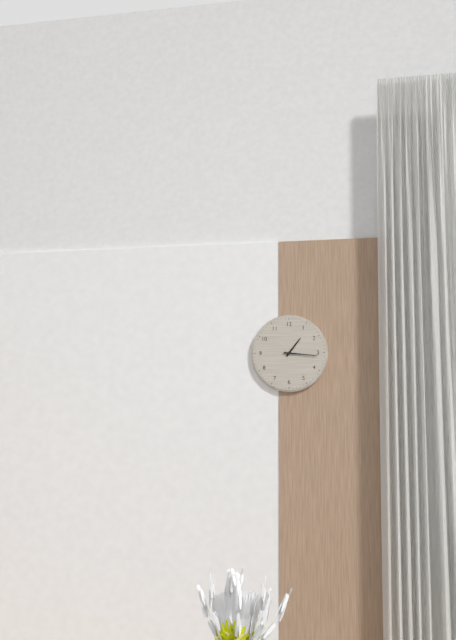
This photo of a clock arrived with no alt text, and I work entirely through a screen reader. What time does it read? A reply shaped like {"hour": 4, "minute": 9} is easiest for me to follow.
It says {"hour": 1, "minute": 16}
